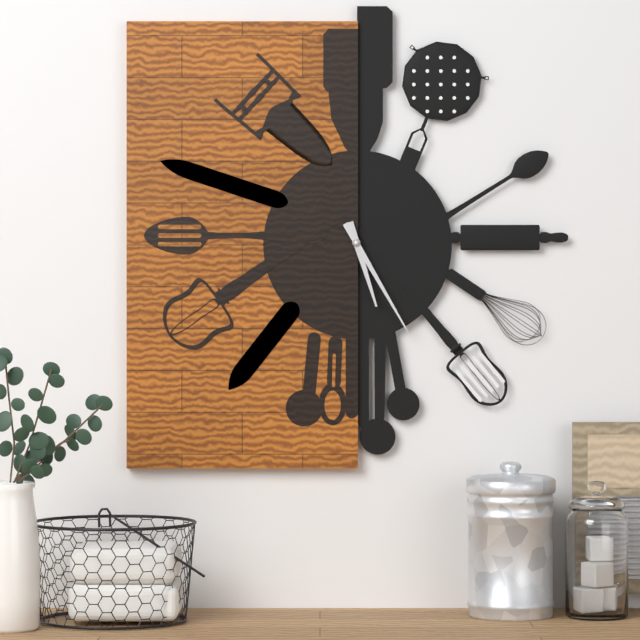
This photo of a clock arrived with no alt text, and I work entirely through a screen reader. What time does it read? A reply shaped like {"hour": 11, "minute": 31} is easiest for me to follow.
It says {"hour": 5, "minute": 25}
